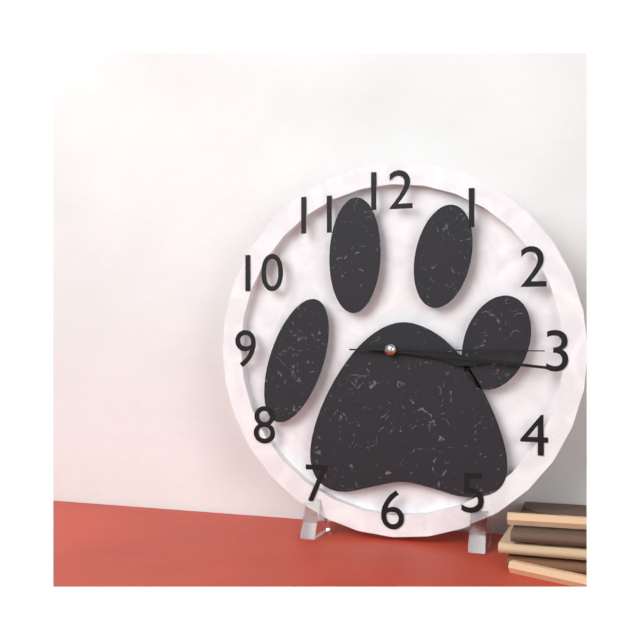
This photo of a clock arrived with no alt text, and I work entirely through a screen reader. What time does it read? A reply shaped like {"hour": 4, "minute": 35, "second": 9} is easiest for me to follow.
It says {"hour": 3, "minute": 16, "second": 15}
